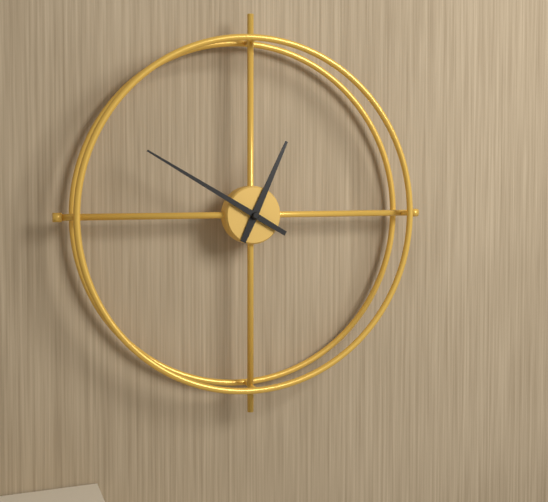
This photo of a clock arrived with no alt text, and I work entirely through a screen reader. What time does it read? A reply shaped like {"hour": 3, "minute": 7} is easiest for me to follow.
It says {"hour": 12, "minute": 50}
